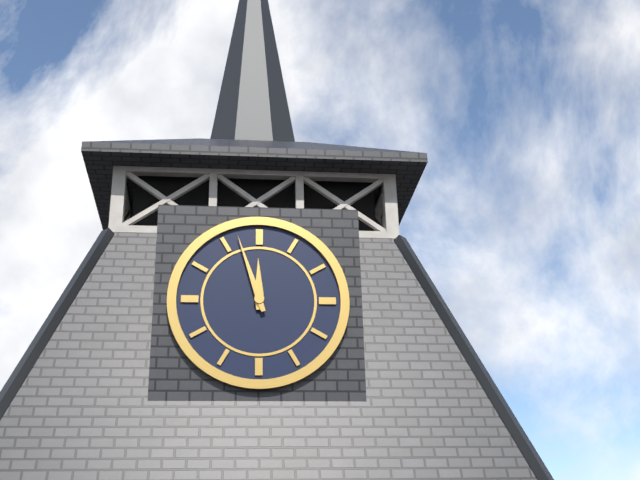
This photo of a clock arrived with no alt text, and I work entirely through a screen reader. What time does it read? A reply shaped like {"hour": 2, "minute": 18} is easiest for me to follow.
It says {"hour": 11, "minute": 57}
